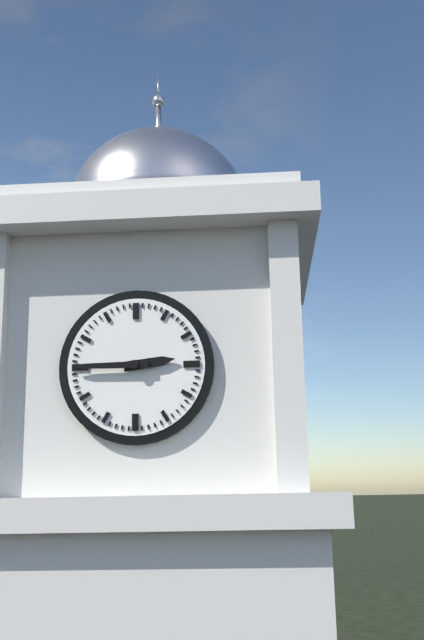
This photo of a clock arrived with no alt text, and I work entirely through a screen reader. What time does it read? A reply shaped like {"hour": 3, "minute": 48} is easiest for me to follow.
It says {"hour": 2, "minute": 45}
